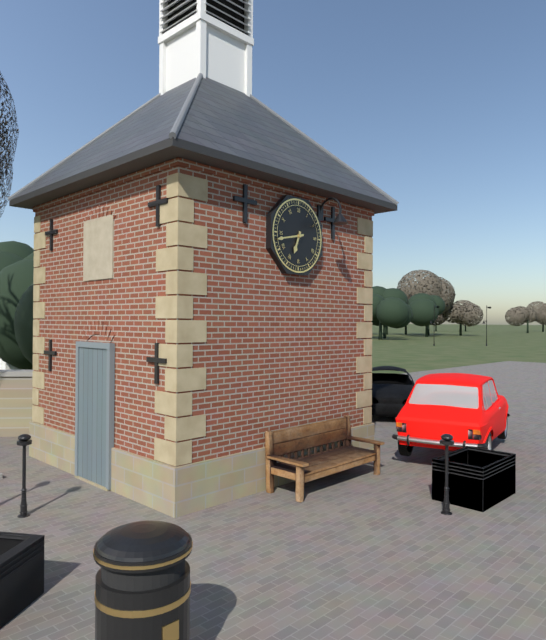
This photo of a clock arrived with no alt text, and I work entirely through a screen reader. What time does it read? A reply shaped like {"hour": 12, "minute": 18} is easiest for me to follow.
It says {"hour": 6, "minute": 43}
